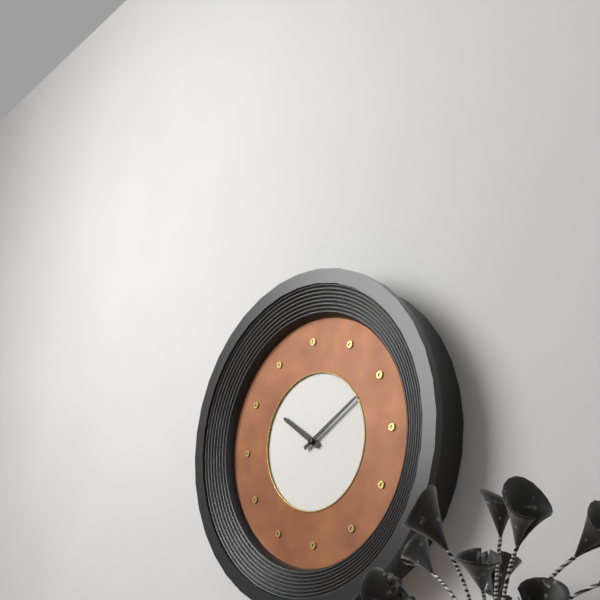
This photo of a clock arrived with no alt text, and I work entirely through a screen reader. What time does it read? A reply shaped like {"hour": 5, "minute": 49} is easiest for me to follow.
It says {"hour": 10, "minute": 10}
